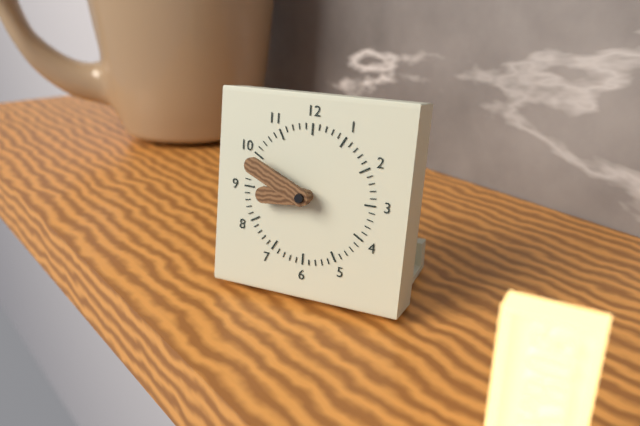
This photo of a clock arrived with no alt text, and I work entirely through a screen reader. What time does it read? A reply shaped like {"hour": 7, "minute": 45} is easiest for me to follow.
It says {"hour": 8, "minute": 49}
